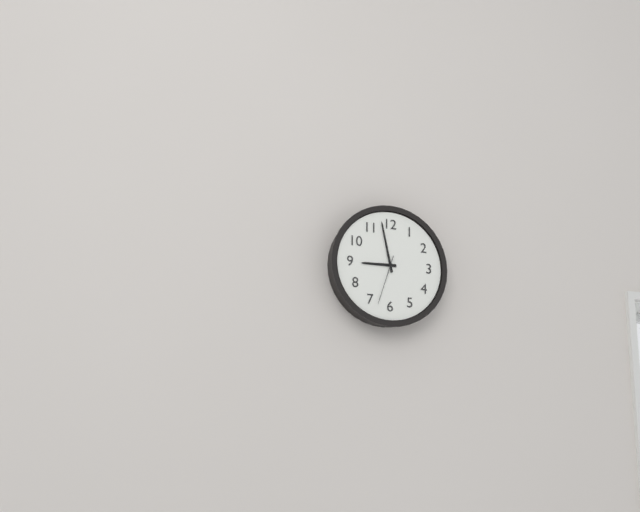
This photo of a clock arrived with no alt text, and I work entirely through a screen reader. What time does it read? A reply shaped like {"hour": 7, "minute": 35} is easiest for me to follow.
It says {"hour": 8, "minute": 58}
